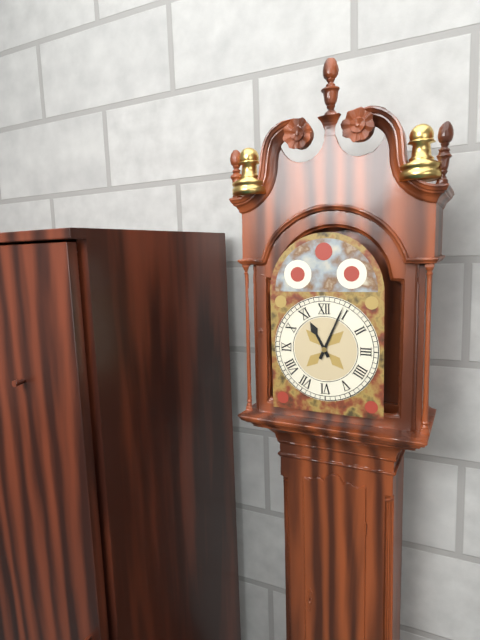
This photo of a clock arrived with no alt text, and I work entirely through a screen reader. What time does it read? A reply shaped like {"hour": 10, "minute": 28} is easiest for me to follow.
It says {"hour": 11, "minute": 4}
